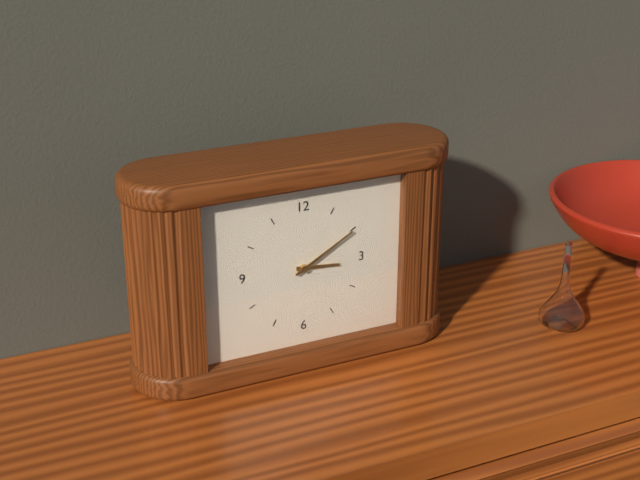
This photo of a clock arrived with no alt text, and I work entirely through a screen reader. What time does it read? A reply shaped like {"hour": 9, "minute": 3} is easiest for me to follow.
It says {"hour": 3, "minute": 10}
